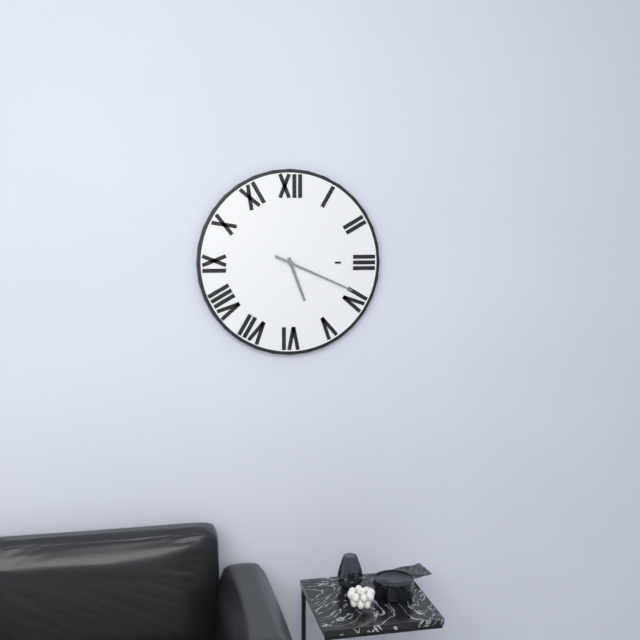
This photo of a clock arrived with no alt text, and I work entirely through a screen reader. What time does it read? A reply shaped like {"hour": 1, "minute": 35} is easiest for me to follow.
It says {"hour": 5, "minute": 19}
